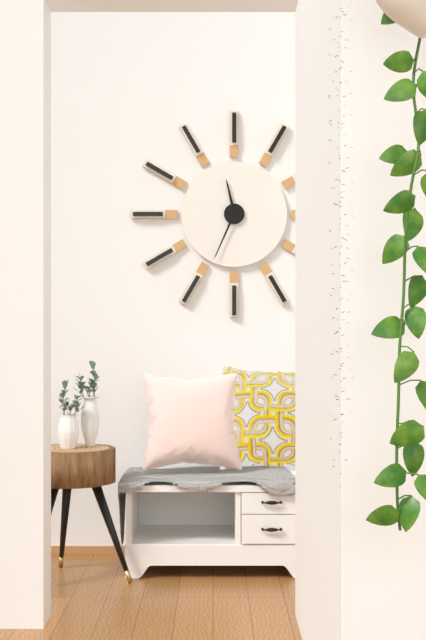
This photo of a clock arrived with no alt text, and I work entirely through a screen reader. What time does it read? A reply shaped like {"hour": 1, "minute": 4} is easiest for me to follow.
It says {"hour": 11, "minute": 34}
